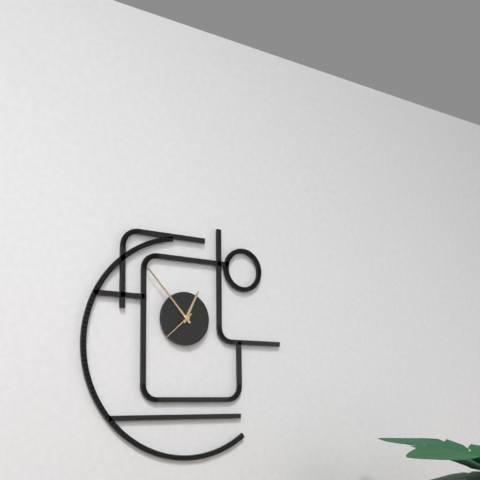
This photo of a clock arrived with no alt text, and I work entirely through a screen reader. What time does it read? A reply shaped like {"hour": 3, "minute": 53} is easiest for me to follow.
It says {"hour": 12, "minute": 53}
